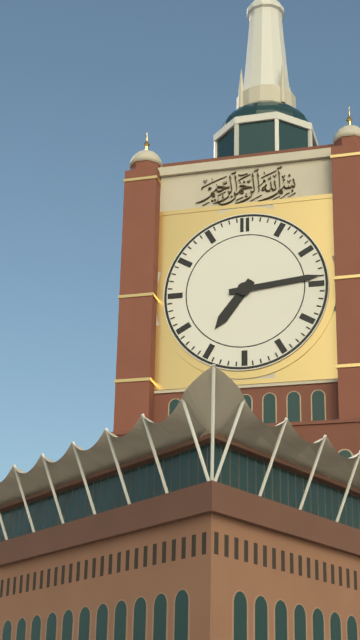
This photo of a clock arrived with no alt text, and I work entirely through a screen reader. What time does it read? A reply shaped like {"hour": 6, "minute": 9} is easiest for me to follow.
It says {"hour": 7, "minute": 14}
